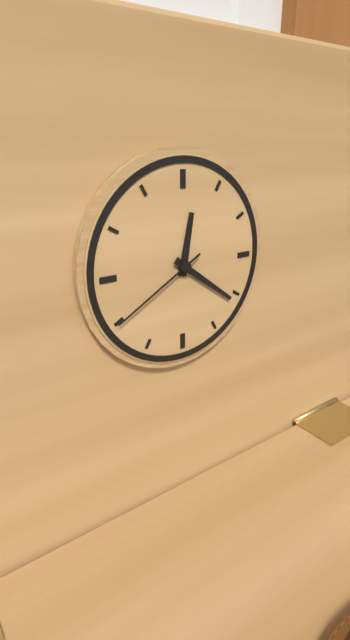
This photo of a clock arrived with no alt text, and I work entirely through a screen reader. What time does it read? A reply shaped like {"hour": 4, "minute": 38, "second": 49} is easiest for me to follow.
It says {"hour": 12, "minute": 21, "second": 40}
